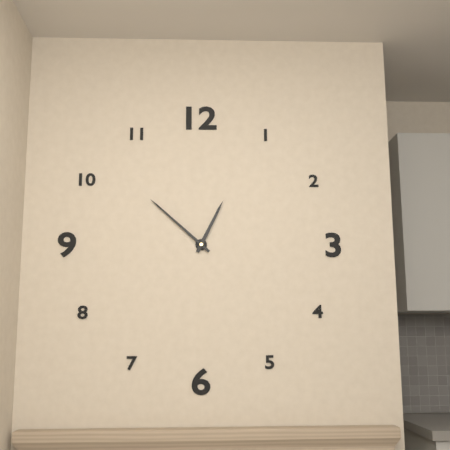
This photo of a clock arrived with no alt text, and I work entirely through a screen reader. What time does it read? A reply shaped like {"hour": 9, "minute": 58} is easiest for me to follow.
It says {"hour": 12, "minute": 52}
